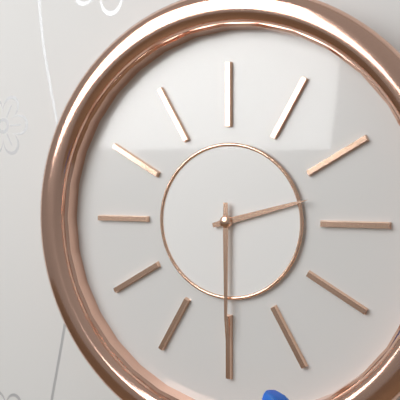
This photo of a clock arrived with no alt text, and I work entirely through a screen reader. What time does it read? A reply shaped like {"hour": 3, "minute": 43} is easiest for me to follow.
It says {"hour": 2, "minute": 30}
